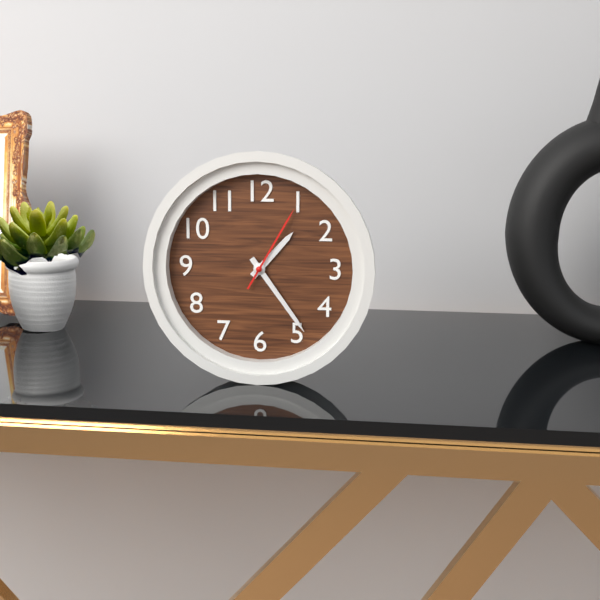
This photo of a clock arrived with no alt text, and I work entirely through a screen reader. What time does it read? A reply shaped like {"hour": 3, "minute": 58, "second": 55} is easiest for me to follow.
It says {"hour": 1, "minute": 24, "second": 5}
